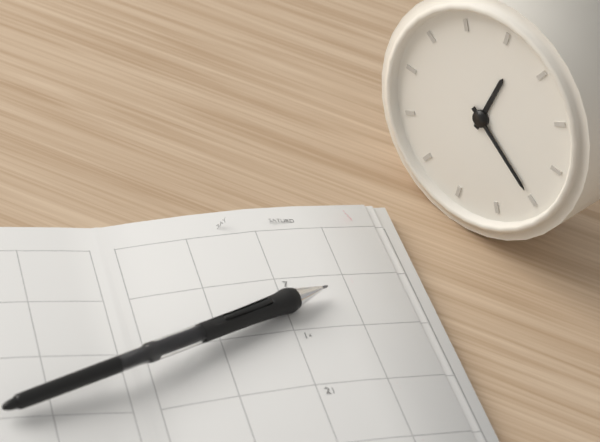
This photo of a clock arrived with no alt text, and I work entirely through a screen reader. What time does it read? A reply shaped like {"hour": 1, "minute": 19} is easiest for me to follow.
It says {"hour": 12, "minute": 20}
